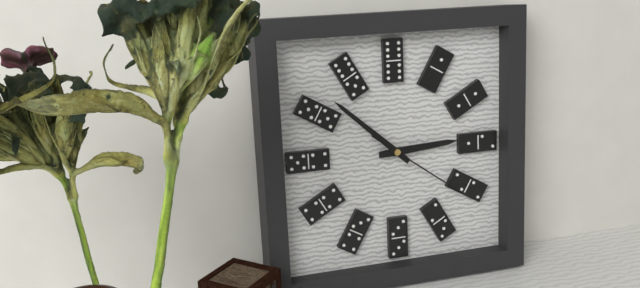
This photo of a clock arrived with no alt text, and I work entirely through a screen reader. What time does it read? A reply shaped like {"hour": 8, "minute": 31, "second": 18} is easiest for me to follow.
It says {"hour": 2, "minute": 52, "second": 21}
